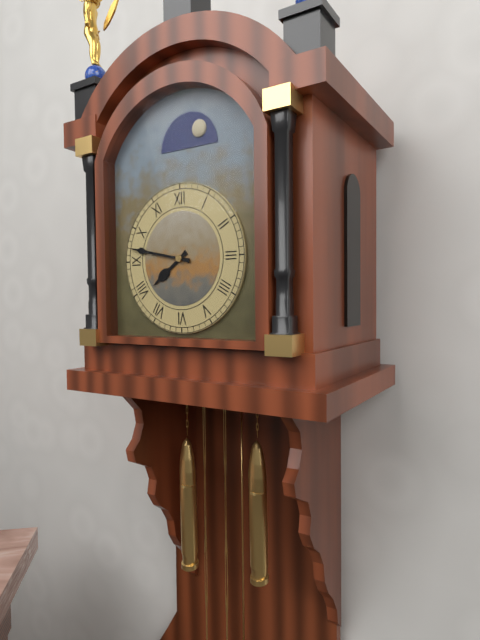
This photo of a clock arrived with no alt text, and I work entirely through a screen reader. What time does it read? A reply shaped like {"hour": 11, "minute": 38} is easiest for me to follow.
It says {"hour": 7, "minute": 47}
